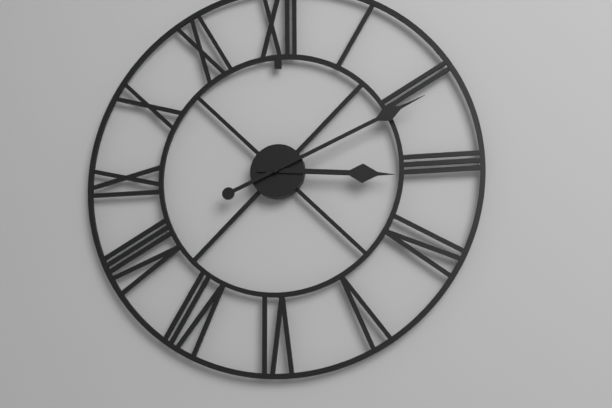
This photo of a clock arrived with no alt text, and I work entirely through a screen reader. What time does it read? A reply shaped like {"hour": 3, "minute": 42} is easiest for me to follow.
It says {"hour": 3, "minute": 11}
